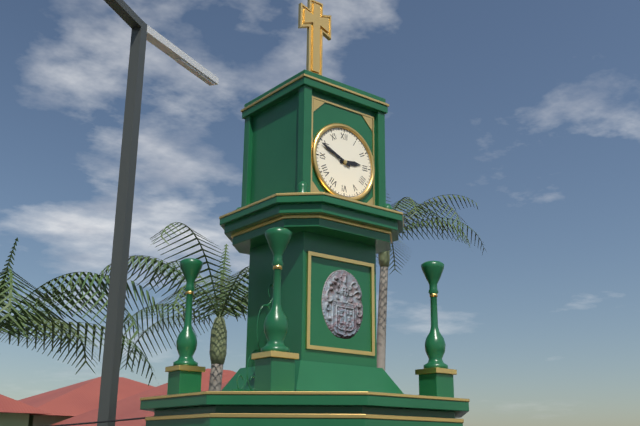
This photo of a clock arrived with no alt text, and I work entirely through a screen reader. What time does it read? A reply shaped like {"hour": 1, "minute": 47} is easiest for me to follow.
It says {"hour": 2, "minute": 49}
